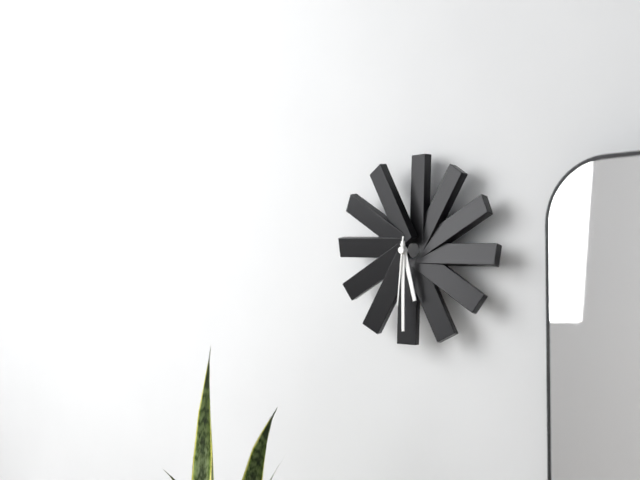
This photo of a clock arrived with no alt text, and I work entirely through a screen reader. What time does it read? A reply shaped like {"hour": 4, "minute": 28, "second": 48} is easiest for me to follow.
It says {"hour": 5, "minute": 30, "second": 31}
